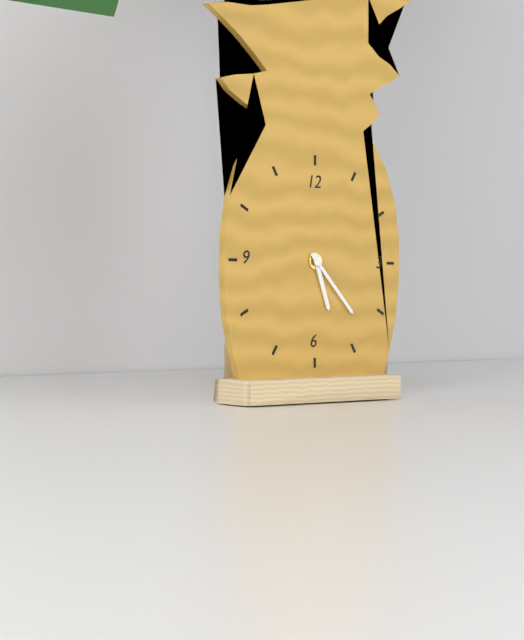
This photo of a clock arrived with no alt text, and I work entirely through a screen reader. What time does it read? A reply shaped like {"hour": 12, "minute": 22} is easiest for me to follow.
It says {"hour": 5, "minute": 23}
